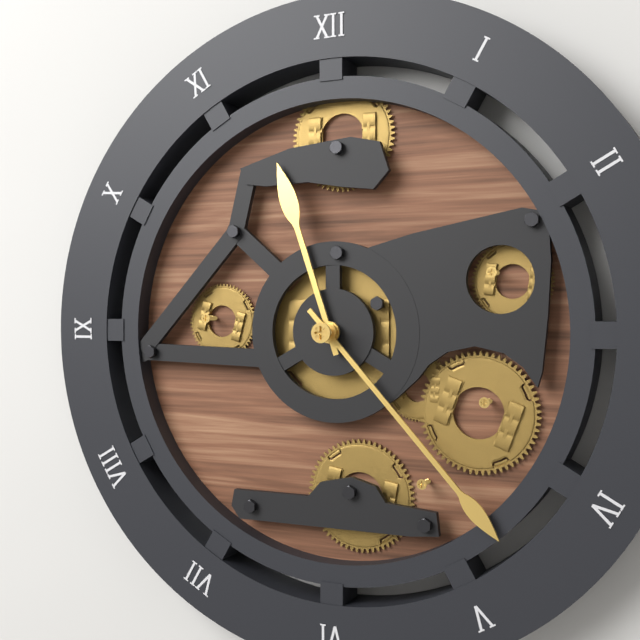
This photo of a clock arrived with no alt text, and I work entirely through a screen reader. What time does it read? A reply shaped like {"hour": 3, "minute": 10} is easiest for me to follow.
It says {"hour": 11, "minute": 23}
